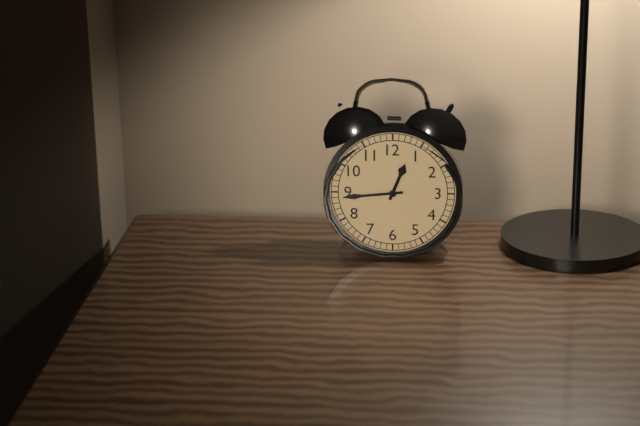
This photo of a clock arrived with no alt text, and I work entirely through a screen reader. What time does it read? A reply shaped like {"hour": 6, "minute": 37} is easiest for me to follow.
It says {"hour": 12, "minute": 44}
